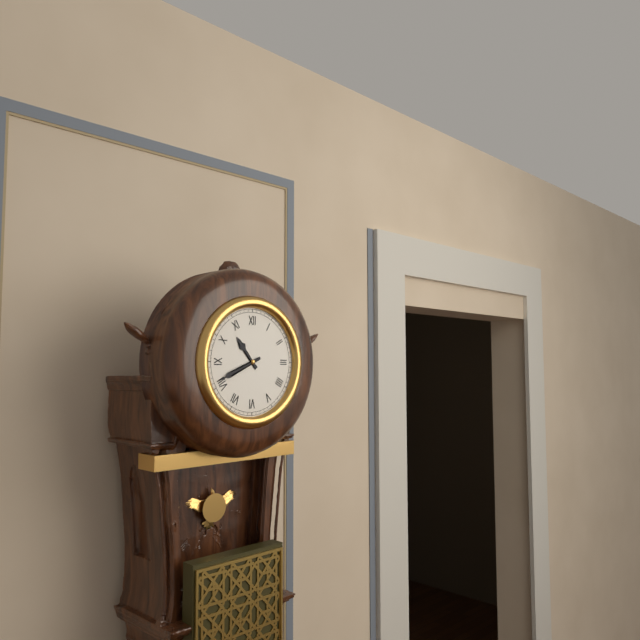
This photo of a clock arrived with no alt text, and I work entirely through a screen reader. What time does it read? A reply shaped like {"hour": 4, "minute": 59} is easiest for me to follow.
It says {"hour": 10, "minute": 41}
